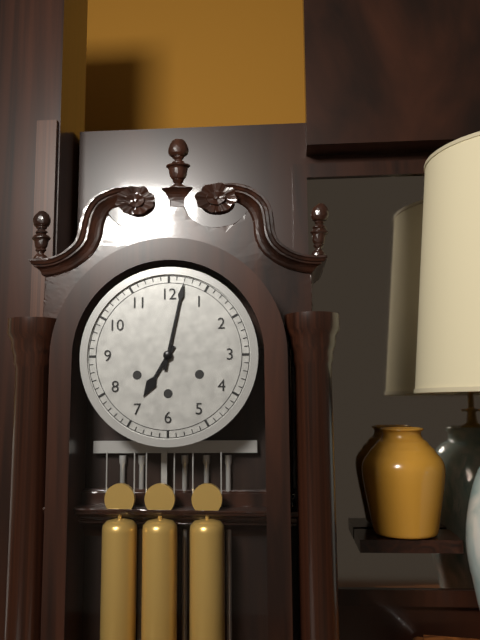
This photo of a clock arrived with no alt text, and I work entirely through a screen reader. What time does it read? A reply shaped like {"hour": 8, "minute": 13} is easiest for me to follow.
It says {"hour": 7, "minute": 2}
